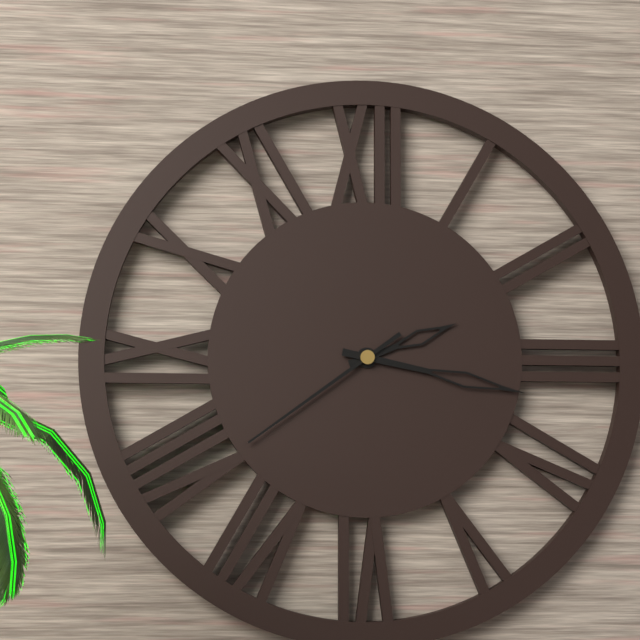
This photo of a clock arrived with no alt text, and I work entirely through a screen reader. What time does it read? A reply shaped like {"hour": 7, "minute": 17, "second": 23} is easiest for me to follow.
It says {"hour": 2, "minute": 17, "second": 39}
